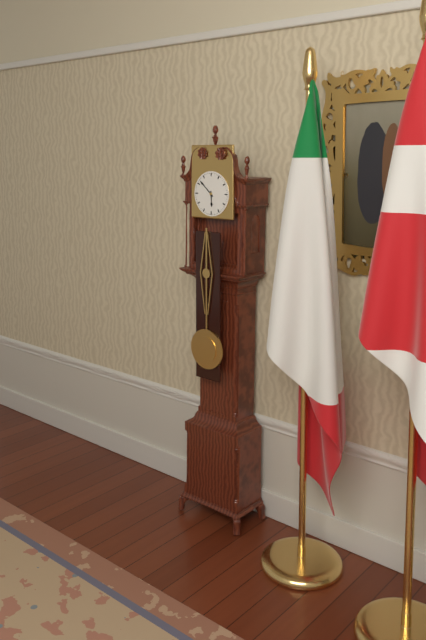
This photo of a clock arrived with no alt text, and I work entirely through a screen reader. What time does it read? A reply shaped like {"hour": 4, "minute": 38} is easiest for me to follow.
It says {"hour": 5, "minute": 52}
